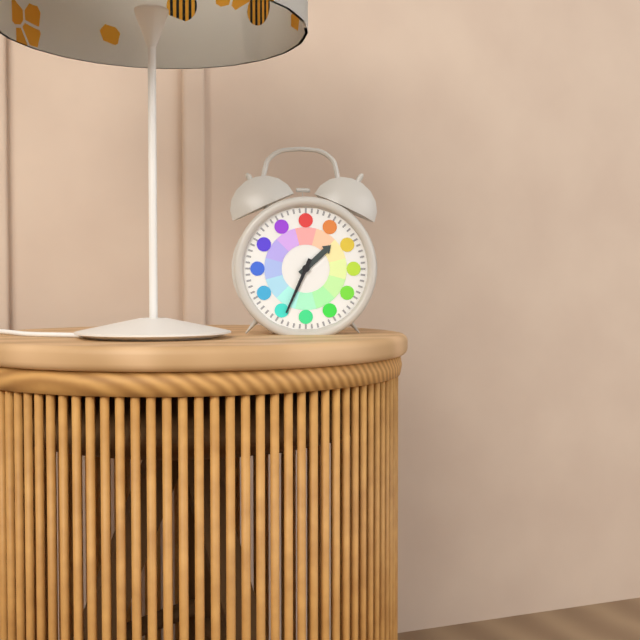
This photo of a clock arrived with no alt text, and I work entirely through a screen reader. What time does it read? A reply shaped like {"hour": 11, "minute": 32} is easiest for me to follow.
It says {"hour": 1, "minute": 34}
